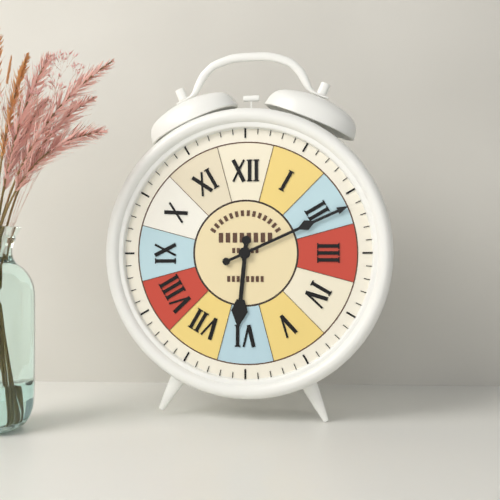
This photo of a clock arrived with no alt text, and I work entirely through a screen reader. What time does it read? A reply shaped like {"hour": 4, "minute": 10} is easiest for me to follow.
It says {"hour": 6, "minute": 11}
